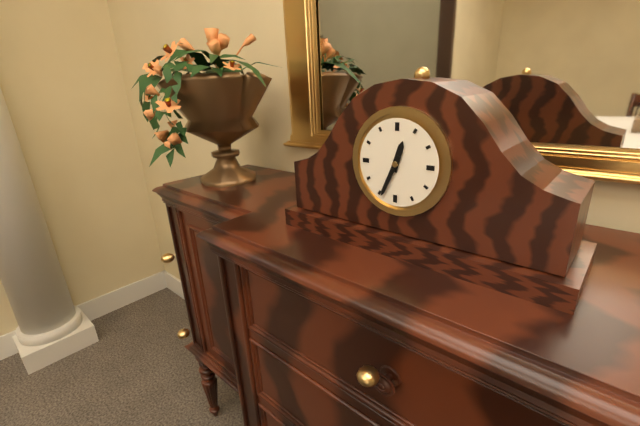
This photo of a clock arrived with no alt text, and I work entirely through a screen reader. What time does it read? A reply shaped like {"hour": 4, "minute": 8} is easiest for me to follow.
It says {"hour": 12, "minute": 34}
